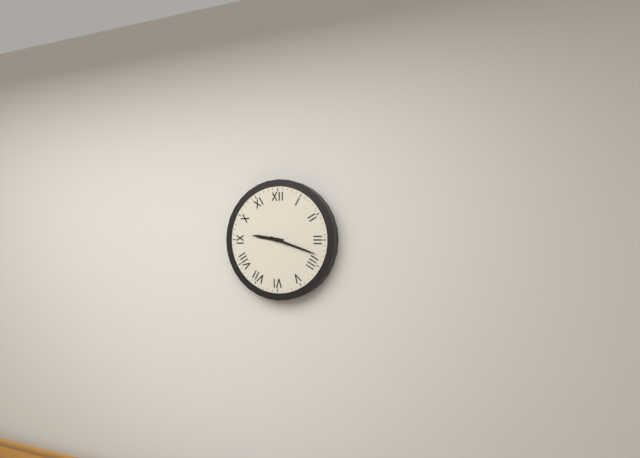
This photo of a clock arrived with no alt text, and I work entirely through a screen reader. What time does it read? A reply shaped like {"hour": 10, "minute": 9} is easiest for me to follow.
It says {"hour": 9, "minute": 18}
